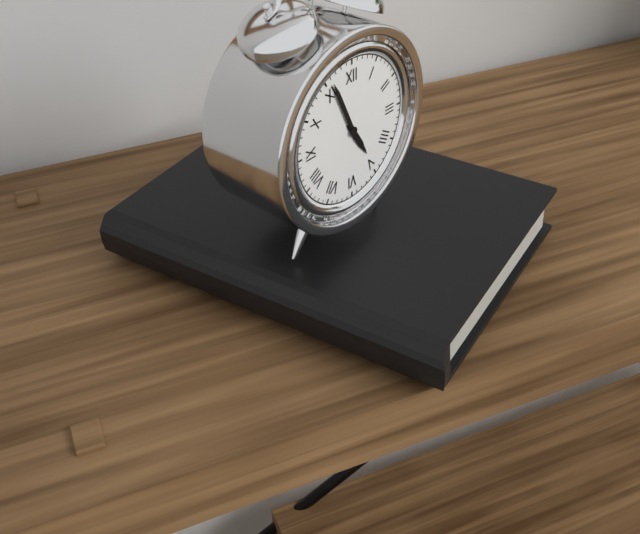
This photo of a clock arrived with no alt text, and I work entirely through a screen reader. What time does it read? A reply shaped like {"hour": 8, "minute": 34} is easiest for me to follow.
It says {"hour": 4, "minute": 56}
